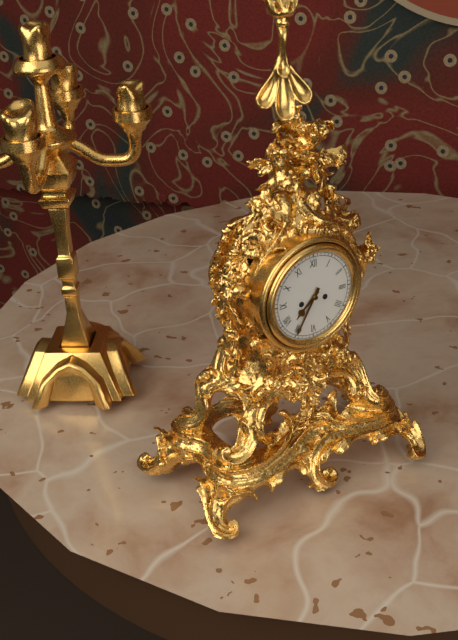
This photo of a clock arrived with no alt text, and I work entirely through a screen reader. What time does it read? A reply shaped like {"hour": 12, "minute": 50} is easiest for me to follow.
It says {"hour": 7, "minute": 35}
